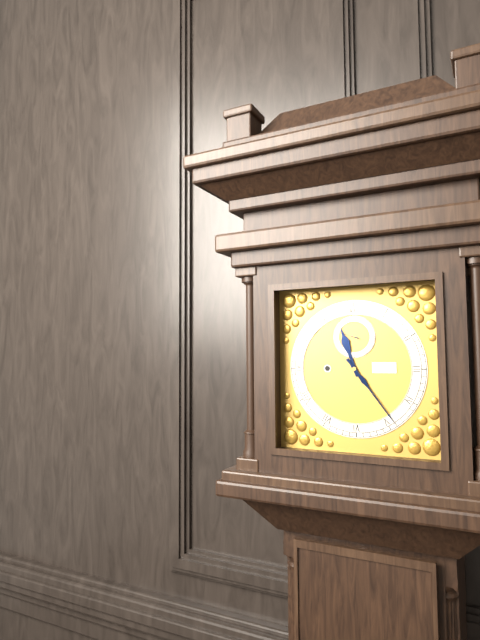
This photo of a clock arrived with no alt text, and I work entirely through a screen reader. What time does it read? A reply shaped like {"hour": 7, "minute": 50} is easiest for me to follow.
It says {"hour": 11, "minute": 24}
